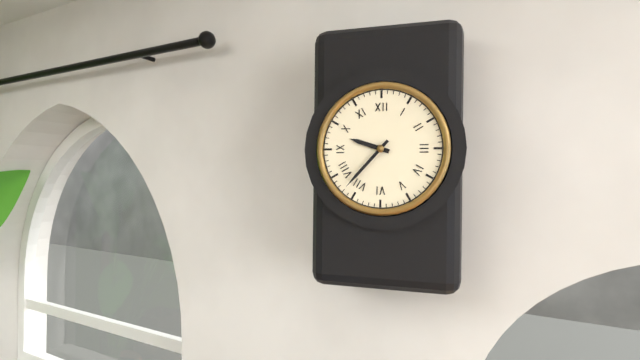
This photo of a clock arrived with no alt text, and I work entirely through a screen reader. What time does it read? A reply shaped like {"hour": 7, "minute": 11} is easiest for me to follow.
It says {"hour": 9, "minute": 37}
